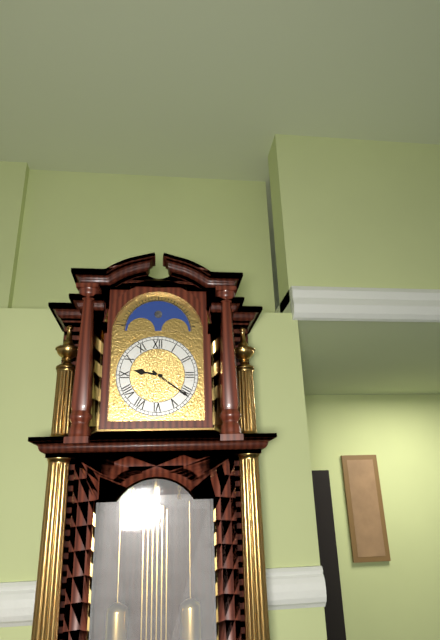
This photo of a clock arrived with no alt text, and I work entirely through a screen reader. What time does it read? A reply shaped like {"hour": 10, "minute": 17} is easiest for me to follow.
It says {"hour": 9, "minute": 21}
